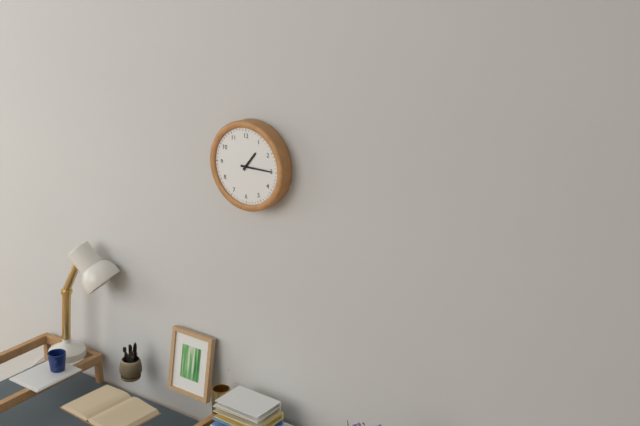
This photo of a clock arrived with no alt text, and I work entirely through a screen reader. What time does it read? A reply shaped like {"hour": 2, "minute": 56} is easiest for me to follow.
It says {"hour": 1, "minute": 15}
